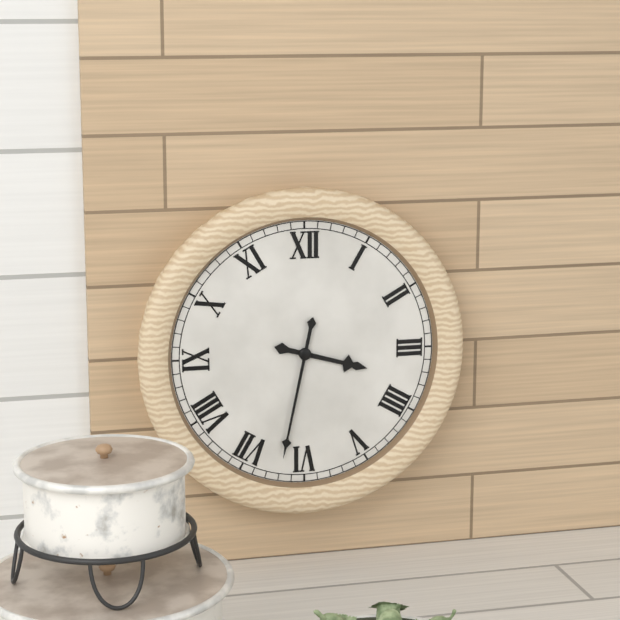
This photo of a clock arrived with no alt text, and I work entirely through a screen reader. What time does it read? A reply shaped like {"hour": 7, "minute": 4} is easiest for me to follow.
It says {"hour": 3, "minute": 32}
